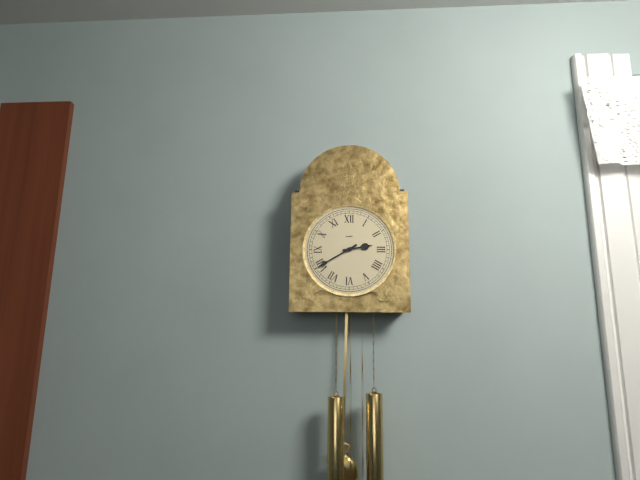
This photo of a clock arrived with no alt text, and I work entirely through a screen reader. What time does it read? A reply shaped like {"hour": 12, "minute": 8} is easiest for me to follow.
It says {"hour": 2, "minute": 40}
